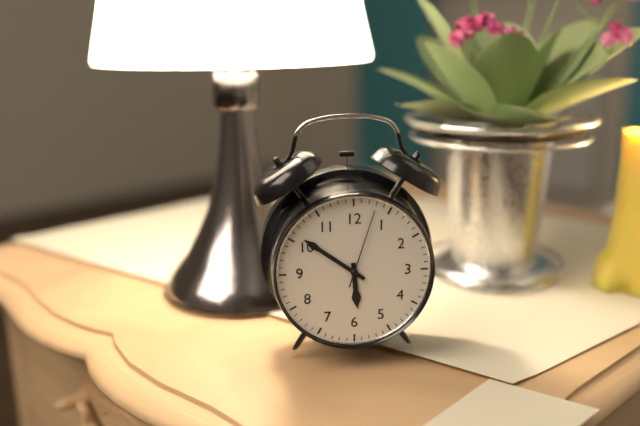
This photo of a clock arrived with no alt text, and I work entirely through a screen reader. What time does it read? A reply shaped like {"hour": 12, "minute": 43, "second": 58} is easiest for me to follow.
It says {"hour": 5, "minute": 51, "second": 3}
